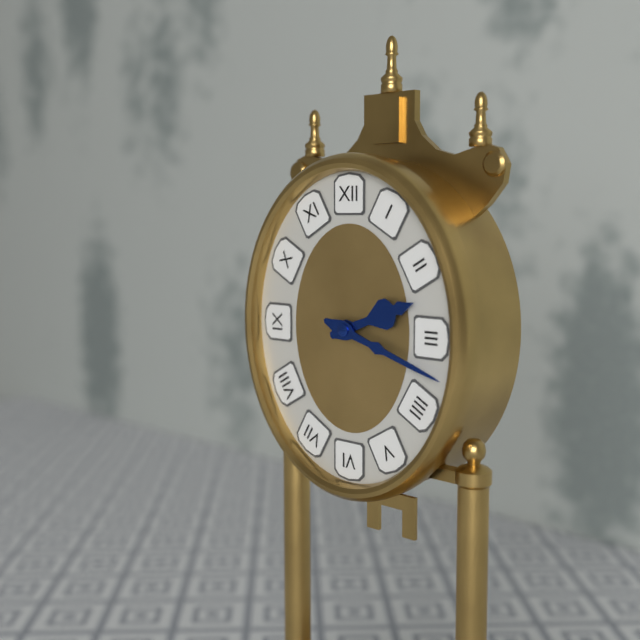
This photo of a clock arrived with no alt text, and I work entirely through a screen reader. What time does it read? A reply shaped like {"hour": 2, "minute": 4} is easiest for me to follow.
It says {"hour": 2, "minute": 18}
